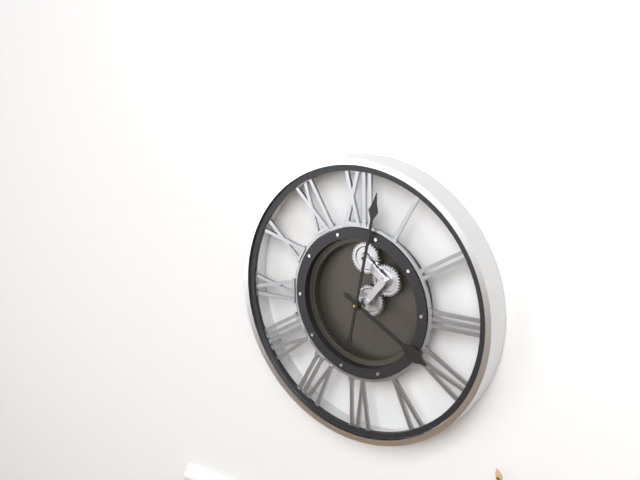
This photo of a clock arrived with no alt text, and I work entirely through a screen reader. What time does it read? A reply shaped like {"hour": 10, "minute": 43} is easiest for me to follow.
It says {"hour": 4, "minute": 2}
